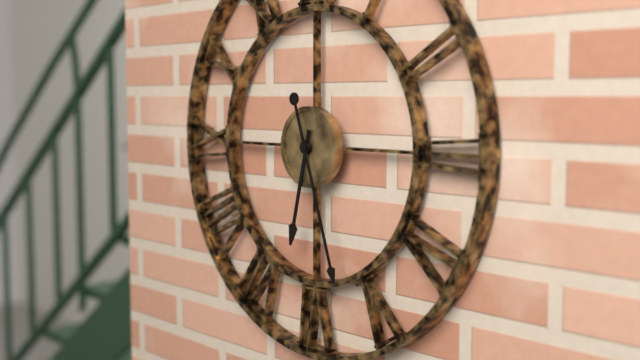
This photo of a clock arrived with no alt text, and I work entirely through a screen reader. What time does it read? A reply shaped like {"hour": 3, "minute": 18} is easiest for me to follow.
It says {"hour": 6, "minute": 27}
